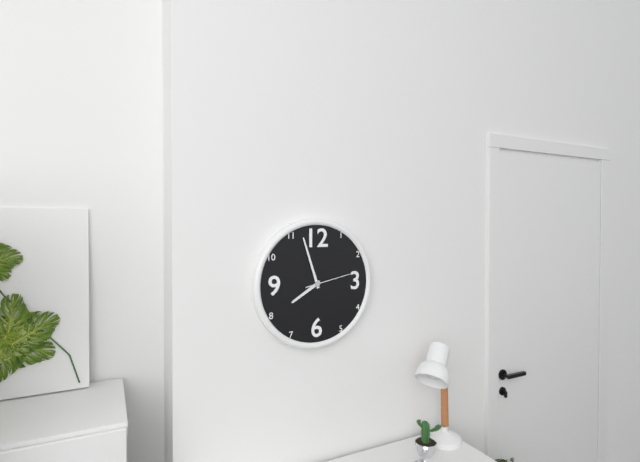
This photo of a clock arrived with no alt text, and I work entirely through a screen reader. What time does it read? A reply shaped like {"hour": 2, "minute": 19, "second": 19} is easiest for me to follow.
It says {"hour": 7, "minute": 57, "second": 13}
